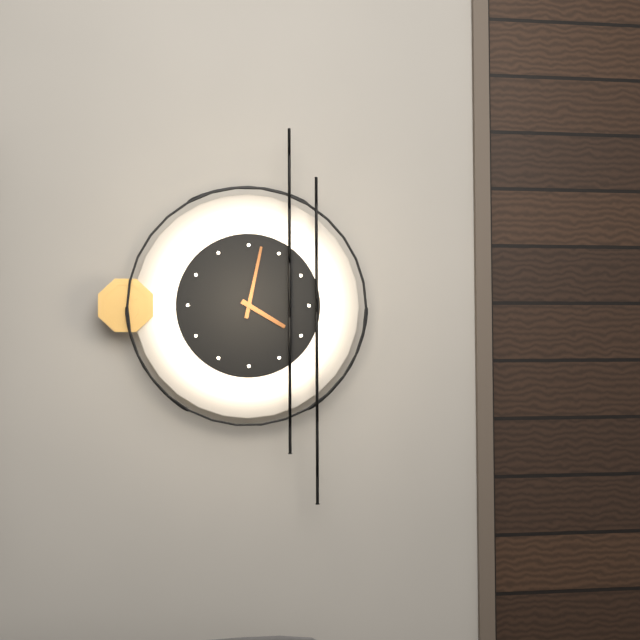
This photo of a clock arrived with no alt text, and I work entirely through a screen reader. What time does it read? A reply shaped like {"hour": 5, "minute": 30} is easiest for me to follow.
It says {"hour": 4, "minute": 2}
